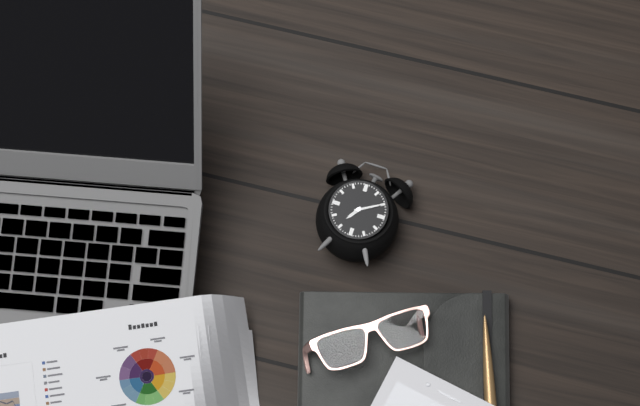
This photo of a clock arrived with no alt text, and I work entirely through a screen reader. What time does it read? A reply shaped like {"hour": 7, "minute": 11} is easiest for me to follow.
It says {"hour": 7, "minute": 10}
